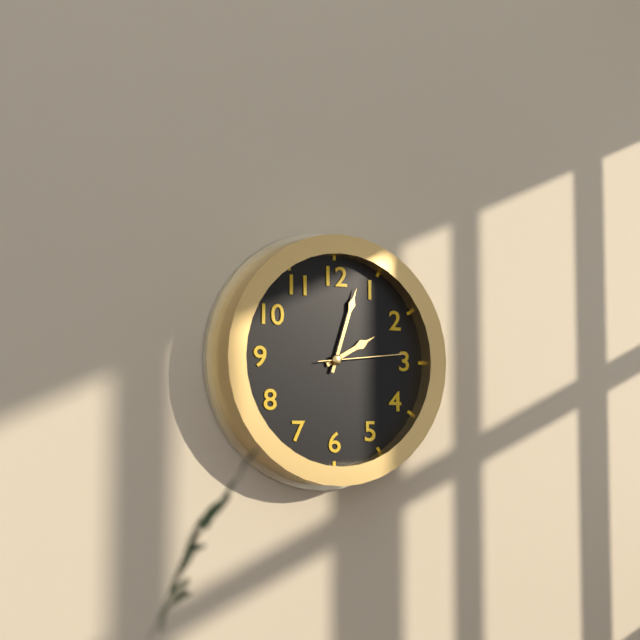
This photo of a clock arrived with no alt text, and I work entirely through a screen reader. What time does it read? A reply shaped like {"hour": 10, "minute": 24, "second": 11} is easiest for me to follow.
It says {"hour": 2, "minute": 3, "second": 14}
